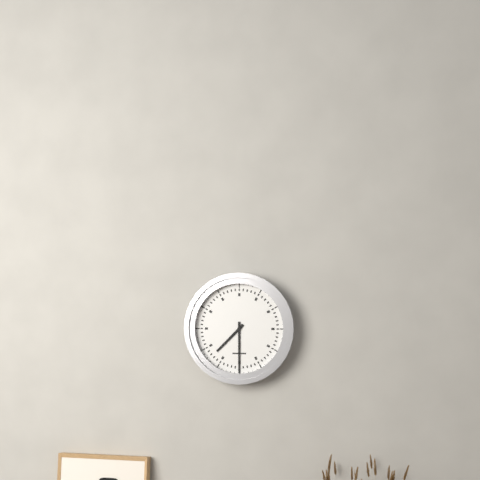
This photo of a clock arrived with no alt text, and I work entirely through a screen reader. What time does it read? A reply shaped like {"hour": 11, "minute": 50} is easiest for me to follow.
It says {"hour": 7, "minute": 30}
